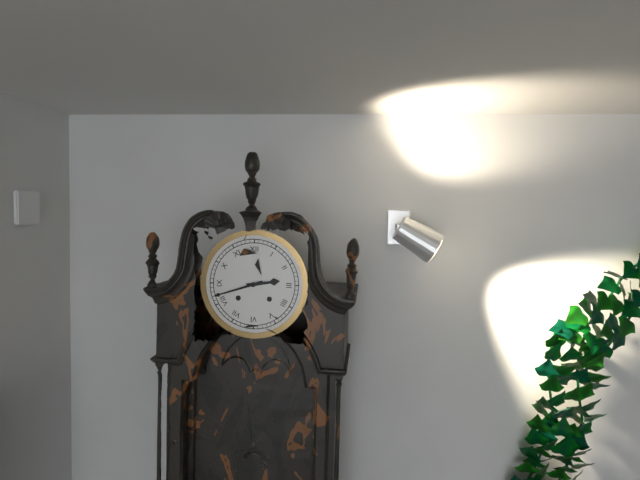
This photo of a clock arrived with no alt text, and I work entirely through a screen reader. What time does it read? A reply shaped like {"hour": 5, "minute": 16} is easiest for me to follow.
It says {"hour": 2, "minute": 42}
